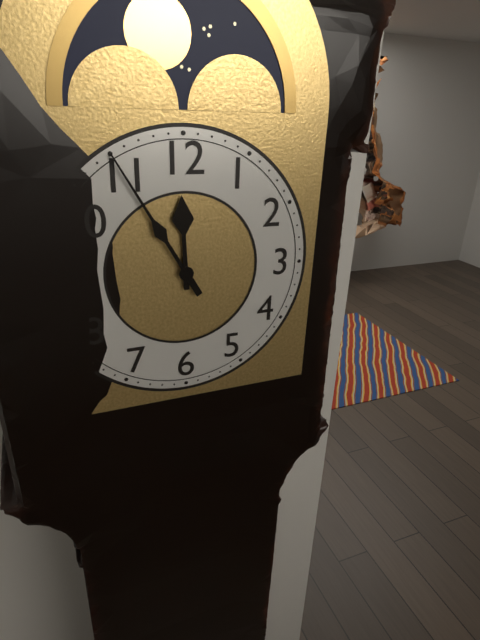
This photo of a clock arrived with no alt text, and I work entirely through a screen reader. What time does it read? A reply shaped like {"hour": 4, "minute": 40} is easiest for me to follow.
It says {"hour": 11, "minute": 55}
